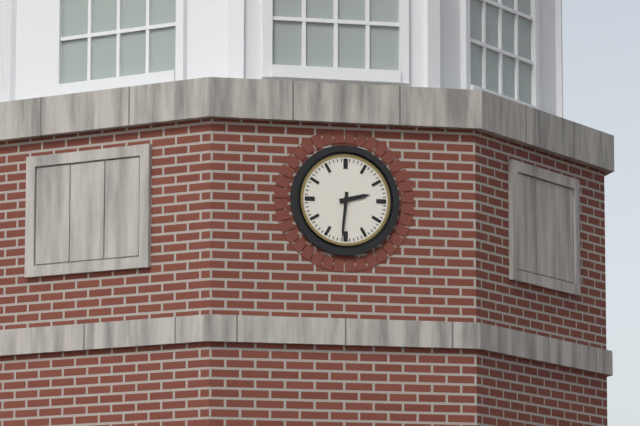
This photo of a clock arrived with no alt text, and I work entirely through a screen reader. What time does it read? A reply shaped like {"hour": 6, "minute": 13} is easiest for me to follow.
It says {"hour": 2, "minute": 31}
